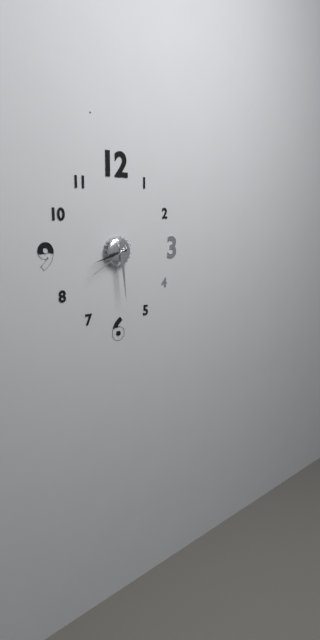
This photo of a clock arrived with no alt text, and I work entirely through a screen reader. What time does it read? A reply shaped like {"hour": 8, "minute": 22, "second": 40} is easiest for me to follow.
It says {"hour": 8, "minute": 29, "second": 40}
